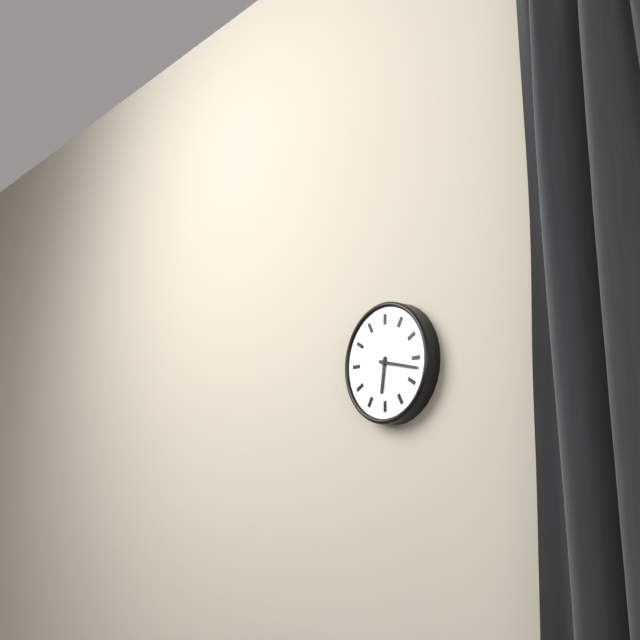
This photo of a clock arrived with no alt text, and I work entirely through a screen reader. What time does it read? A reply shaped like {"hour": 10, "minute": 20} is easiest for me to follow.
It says {"hour": 6, "minute": 17}
